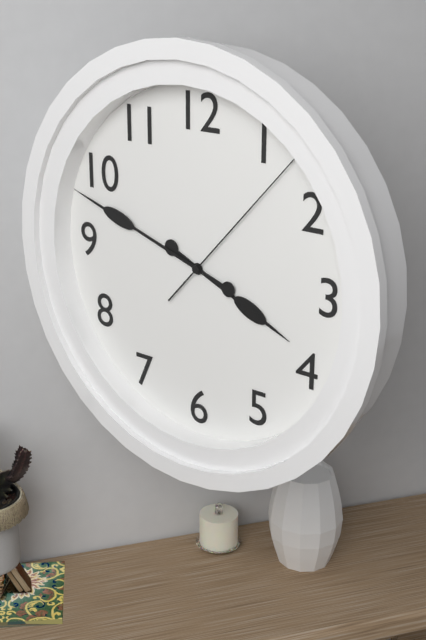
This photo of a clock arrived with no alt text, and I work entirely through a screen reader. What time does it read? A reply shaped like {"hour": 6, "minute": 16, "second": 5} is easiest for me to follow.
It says {"hour": 3, "minute": 48, "second": 7}
